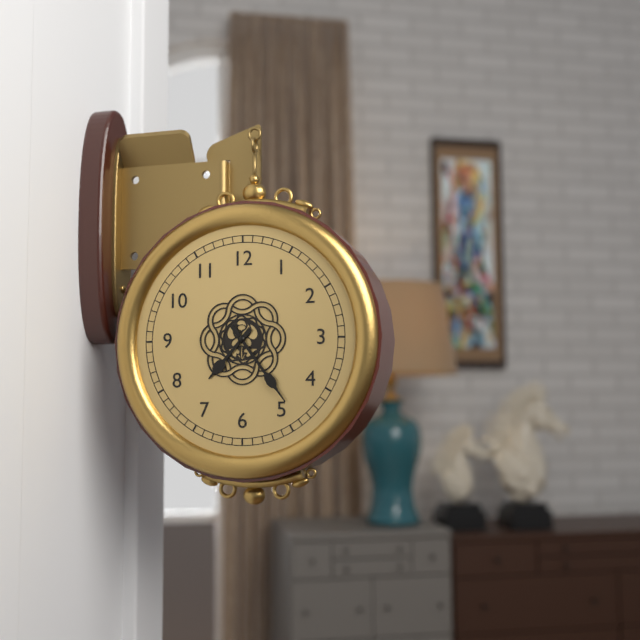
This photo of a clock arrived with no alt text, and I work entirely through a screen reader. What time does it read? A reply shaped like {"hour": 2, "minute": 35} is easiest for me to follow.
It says {"hour": 7, "minute": 24}
